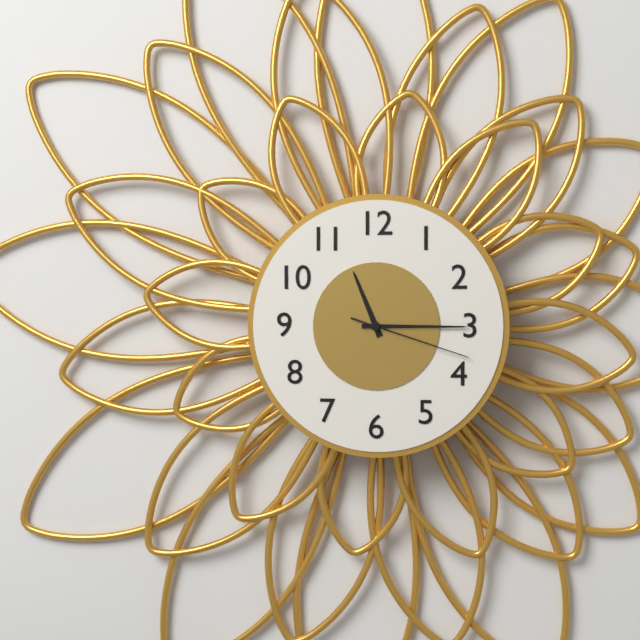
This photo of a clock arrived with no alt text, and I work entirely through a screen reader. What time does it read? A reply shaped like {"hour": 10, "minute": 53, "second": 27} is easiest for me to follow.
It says {"hour": 11, "minute": 15, "second": 18}
